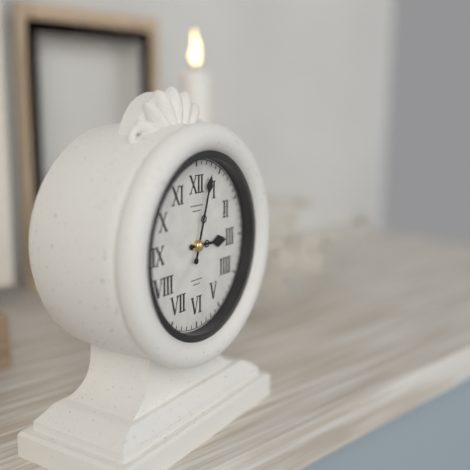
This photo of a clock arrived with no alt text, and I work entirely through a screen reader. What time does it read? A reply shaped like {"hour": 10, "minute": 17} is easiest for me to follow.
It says {"hour": 3, "minute": 3}
